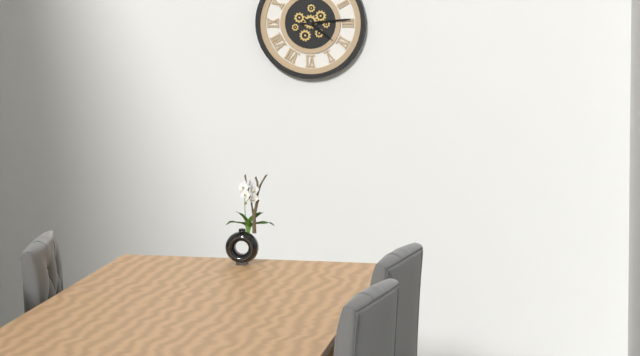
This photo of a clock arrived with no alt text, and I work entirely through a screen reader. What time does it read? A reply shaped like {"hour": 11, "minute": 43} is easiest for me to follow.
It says {"hour": 4, "minute": 14}
